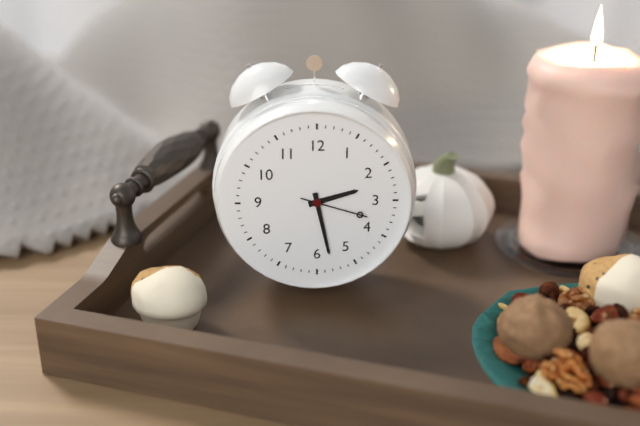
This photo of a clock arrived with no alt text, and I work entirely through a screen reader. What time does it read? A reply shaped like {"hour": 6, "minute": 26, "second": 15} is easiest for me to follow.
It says {"hour": 2, "minute": 28, "second": 18}
